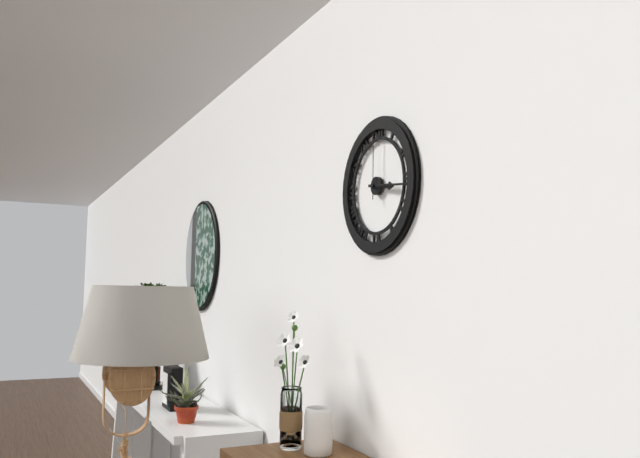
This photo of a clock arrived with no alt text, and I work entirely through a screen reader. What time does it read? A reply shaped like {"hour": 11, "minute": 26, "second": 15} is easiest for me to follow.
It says {"hour": 3, "minute": 16, "second": 0}
